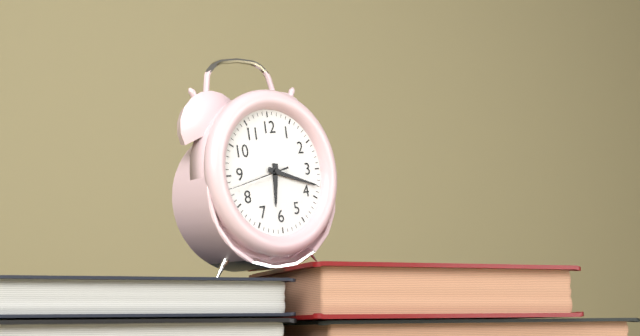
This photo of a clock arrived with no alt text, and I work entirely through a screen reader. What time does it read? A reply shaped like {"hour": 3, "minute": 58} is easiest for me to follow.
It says {"hour": 6, "minute": 18}
